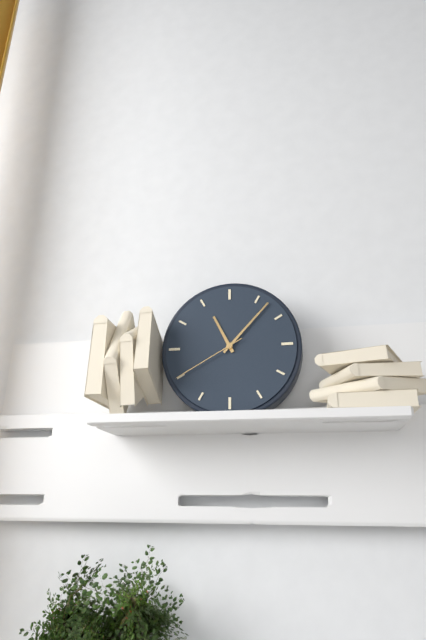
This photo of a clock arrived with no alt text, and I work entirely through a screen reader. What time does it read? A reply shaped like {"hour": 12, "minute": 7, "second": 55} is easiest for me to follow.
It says {"hour": 11, "minute": 7, "second": 40}
